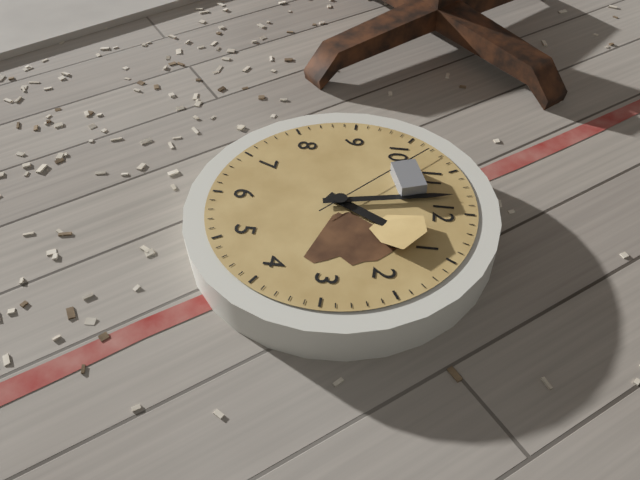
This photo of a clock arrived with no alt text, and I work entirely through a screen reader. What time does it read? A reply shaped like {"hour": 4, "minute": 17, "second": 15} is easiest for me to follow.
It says {"hour": 12, "minute": 58, "second": 52}
